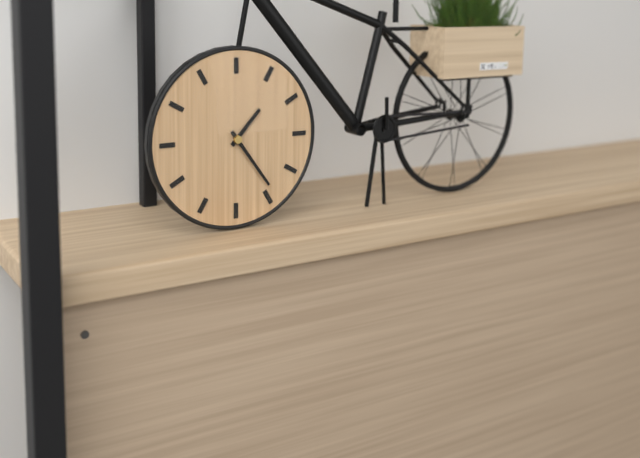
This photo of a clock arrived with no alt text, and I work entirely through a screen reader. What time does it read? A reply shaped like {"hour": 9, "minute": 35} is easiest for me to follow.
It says {"hour": 1, "minute": 24}
